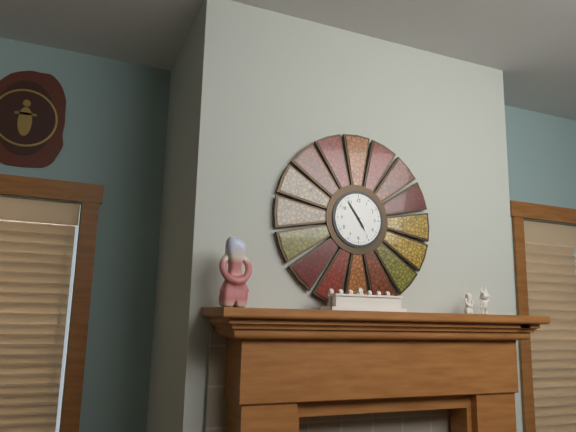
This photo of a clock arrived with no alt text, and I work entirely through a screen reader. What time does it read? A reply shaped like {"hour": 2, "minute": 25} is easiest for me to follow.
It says {"hour": 4, "minute": 54}
